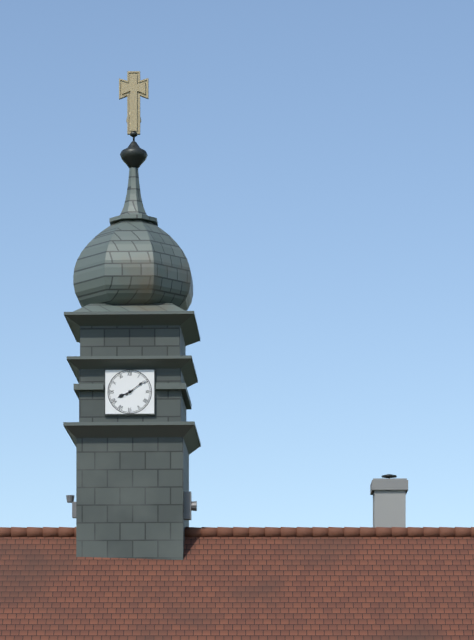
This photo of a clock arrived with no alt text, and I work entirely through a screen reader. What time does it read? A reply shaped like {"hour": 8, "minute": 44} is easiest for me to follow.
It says {"hour": 8, "minute": 9}
